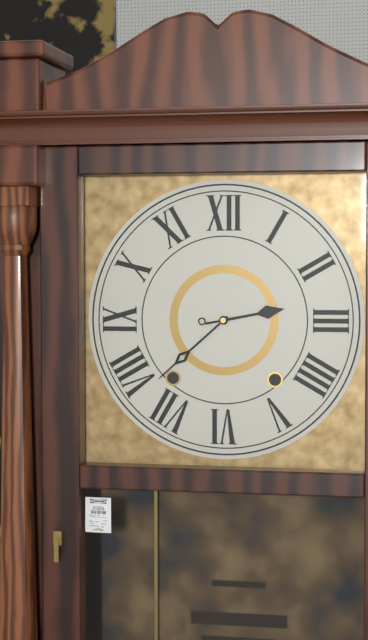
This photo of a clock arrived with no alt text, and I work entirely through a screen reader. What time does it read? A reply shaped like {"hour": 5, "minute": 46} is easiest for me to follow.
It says {"hour": 2, "minute": 38}
